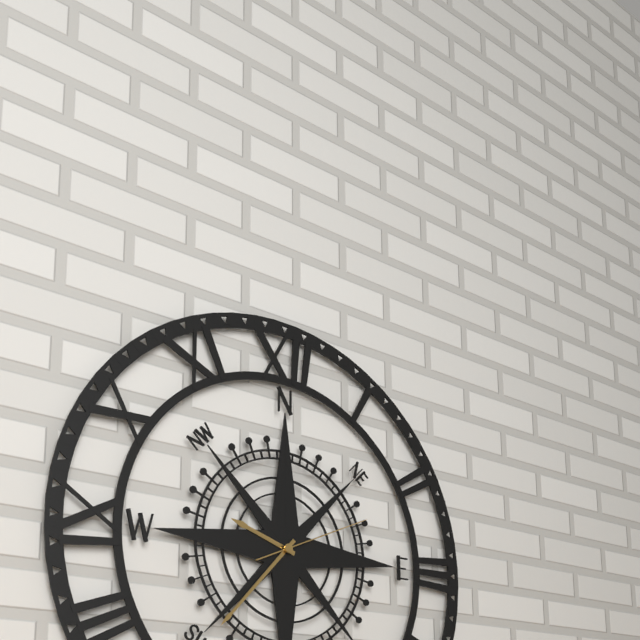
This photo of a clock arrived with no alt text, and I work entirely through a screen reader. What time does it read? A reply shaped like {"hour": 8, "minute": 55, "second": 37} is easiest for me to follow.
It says {"hour": 9, "minute": 37, "second": 11}
